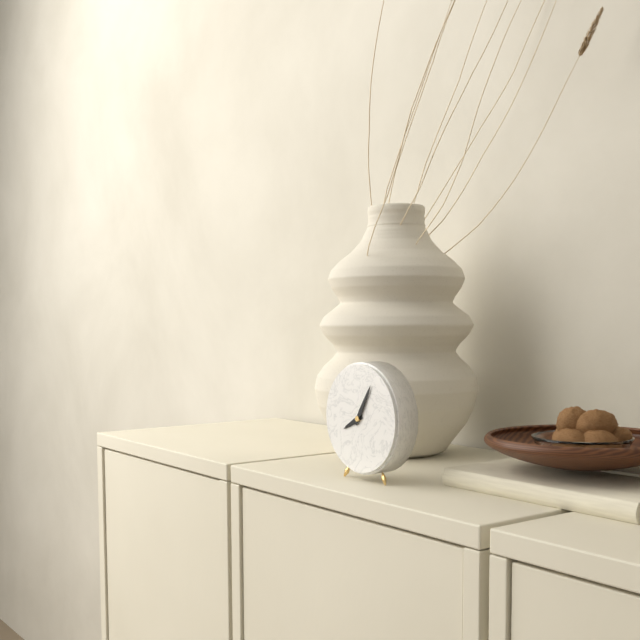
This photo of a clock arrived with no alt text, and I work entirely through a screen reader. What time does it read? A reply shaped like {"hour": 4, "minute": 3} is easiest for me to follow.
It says {"hour": 8, "minute": 5}
